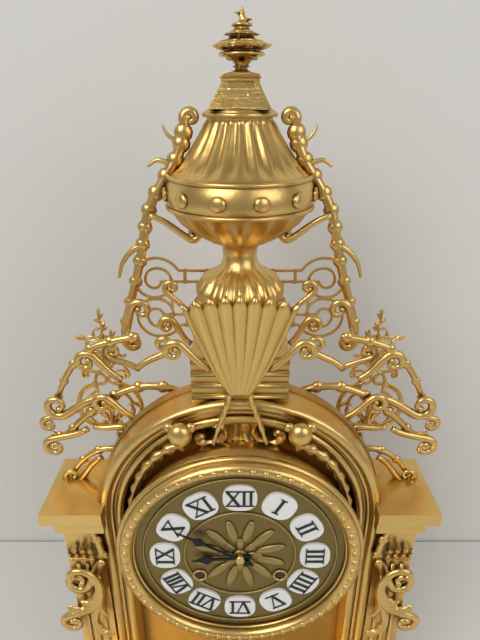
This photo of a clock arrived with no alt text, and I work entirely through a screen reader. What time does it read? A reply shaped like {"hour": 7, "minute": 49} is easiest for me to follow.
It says {"hour": 8, "minute": 50}
